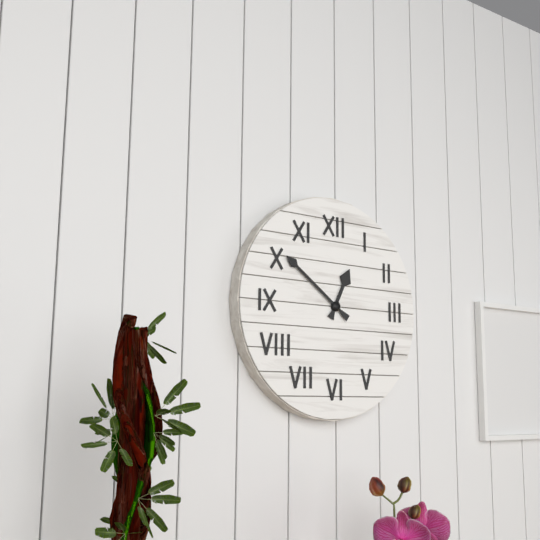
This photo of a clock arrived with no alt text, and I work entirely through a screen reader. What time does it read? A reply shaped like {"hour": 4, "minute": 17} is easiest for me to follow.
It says {"hour": 12, "minute": 51}
